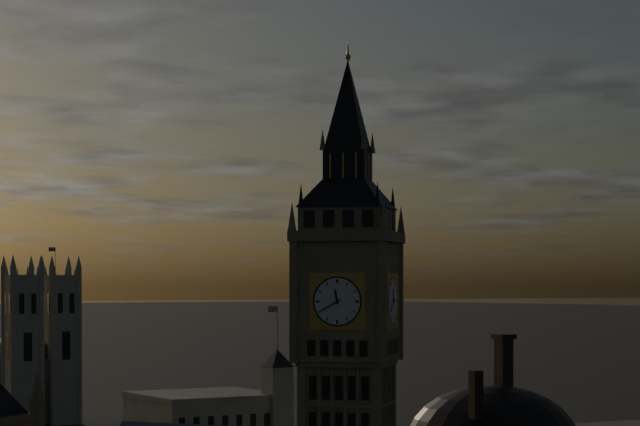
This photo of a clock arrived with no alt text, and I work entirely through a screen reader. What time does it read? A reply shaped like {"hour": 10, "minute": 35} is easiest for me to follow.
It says {"hour": 11, "minute": 40}
